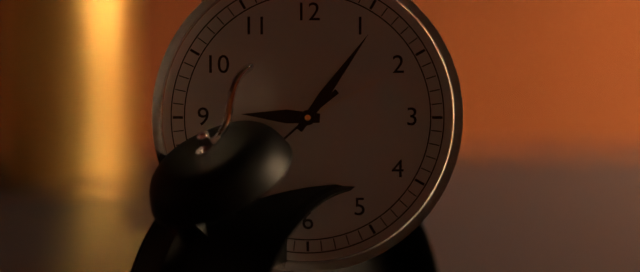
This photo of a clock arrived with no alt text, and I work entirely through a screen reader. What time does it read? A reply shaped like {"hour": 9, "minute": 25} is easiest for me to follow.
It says {"hour": 9, "minute": 6}
